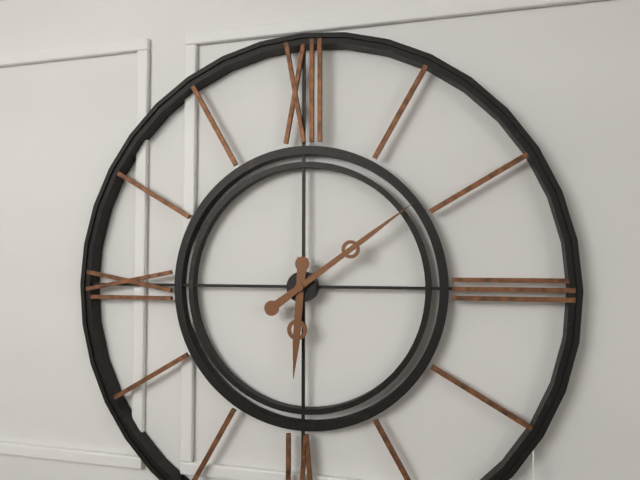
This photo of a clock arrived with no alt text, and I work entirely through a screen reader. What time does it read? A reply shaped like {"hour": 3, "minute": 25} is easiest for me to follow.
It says {"hour": 6, "minute": 9}
